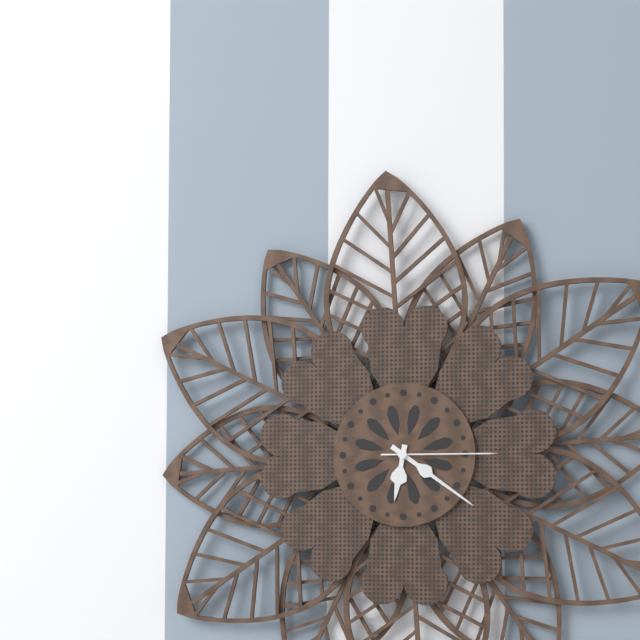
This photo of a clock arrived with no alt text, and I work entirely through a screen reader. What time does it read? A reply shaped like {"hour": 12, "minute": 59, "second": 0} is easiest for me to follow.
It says {"hour": 6, "minute": 21, "second": 15}
